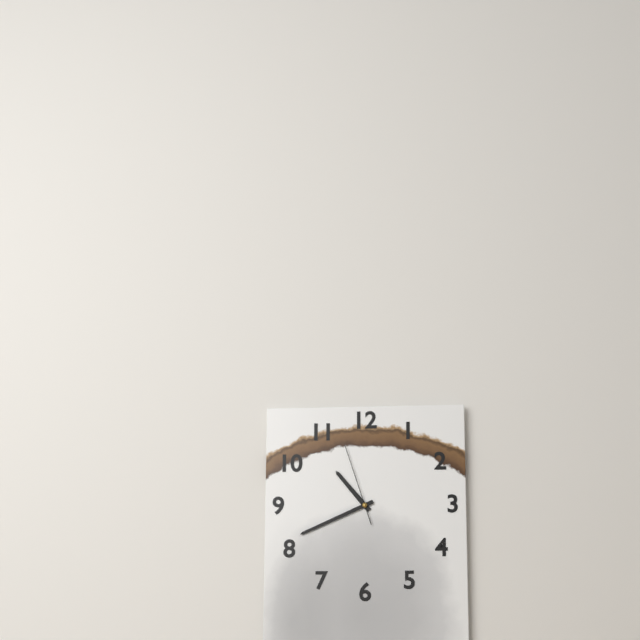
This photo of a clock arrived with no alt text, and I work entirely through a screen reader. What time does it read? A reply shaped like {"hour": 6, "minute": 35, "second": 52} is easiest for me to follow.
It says {"hour": 10, "minute": 41, "second": 57}
